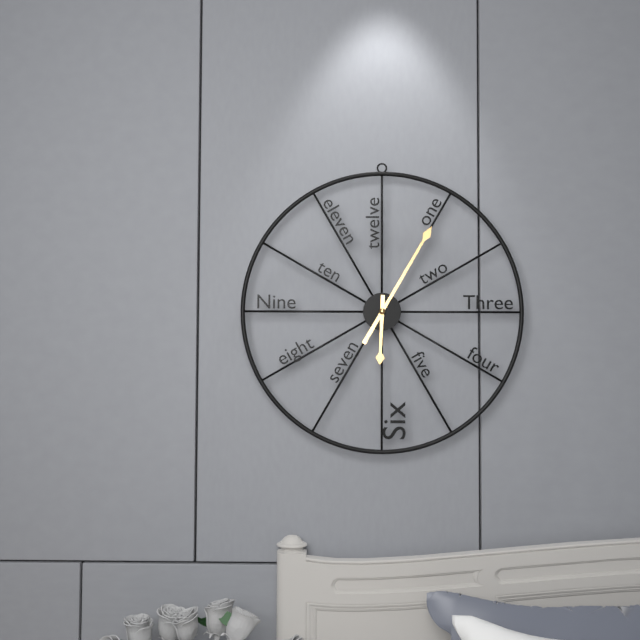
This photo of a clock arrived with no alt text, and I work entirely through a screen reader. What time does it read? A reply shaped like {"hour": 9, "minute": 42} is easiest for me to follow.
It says {"hour": 6, "minute": 5}
